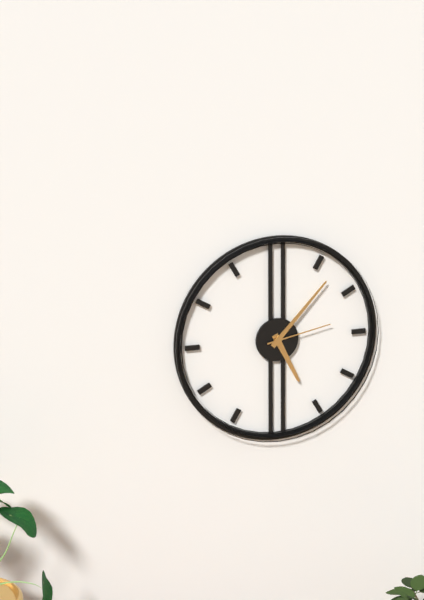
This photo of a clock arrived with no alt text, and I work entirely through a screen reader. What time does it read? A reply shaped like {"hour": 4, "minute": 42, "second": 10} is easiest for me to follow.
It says {"hour": 5, "minute": 7, "second": 13}
